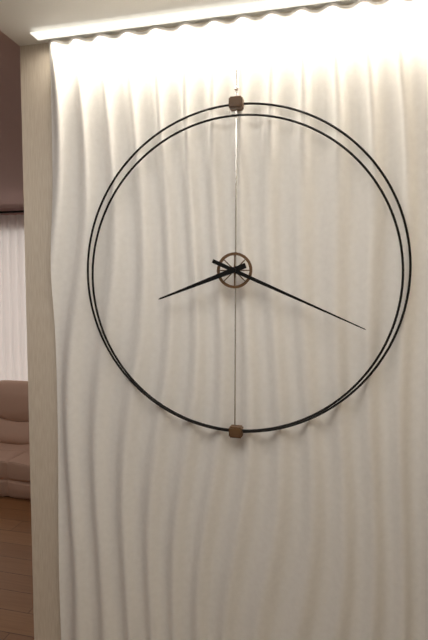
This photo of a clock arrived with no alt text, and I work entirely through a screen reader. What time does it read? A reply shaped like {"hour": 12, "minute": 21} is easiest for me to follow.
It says {"hour": 8, "minute": 19}
